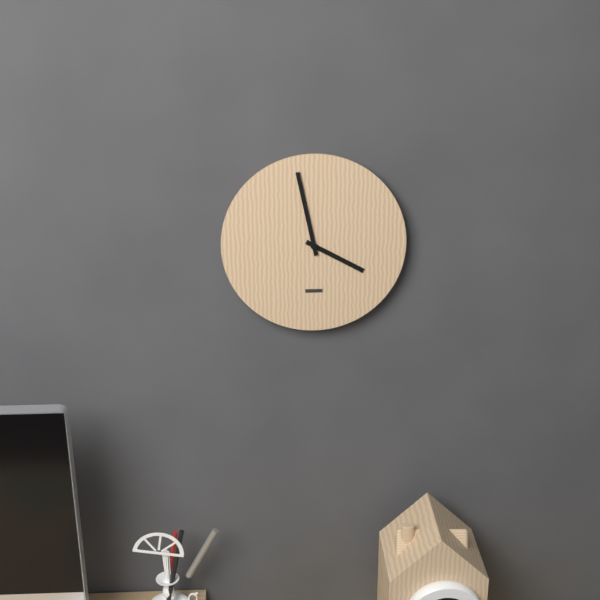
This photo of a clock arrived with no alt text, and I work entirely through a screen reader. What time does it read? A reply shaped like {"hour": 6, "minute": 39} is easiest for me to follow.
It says {"hour": 3, "minute": 58}
